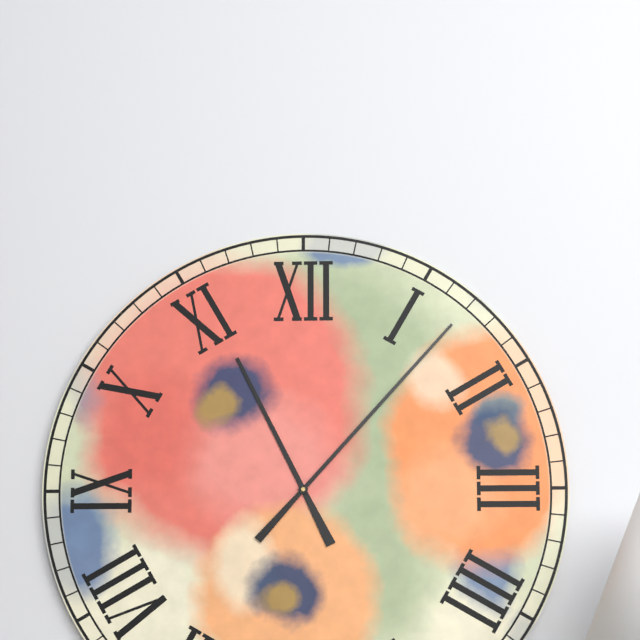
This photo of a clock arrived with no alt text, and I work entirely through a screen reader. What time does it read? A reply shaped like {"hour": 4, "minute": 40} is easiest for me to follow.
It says {"hour": 11, "minute": 7}
